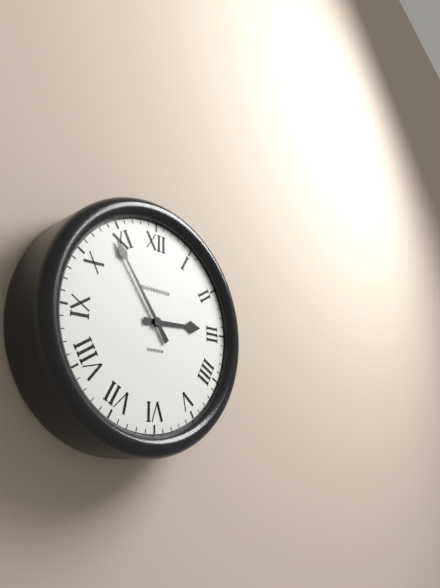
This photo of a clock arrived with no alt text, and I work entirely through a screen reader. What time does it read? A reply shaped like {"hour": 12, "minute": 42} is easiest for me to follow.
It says {"hour": 2, "minute": 54}
